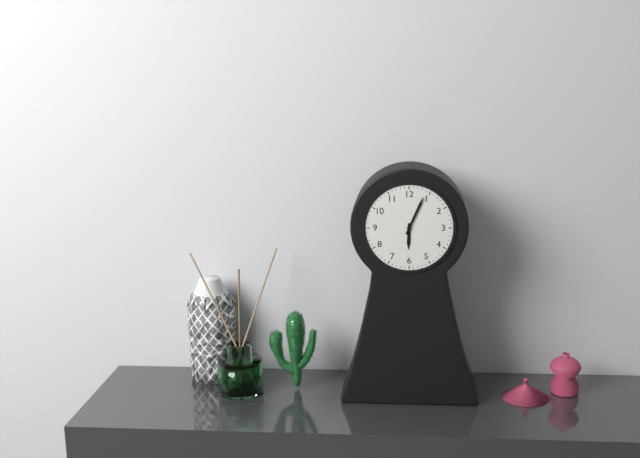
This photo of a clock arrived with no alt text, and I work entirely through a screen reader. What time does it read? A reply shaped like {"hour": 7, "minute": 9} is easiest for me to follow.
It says {"hour": 6, "minute": 4}
